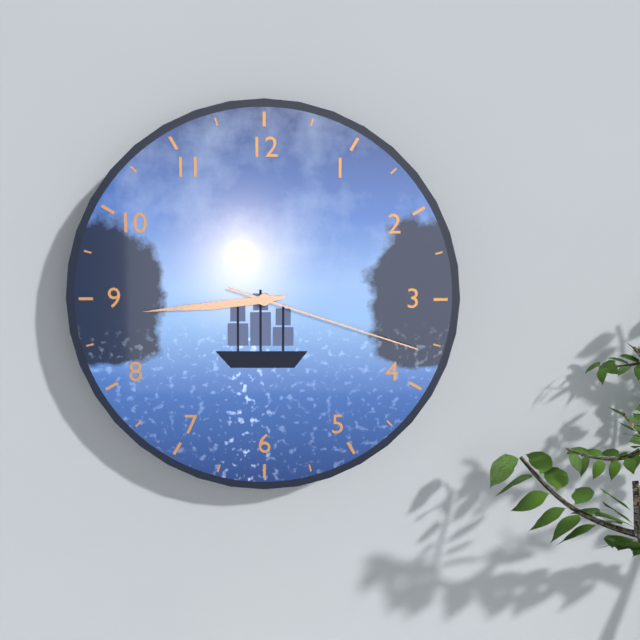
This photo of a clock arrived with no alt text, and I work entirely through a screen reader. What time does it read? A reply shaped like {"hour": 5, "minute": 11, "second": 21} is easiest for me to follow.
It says {"hour": 8, "minute": 44, "second": 18}
